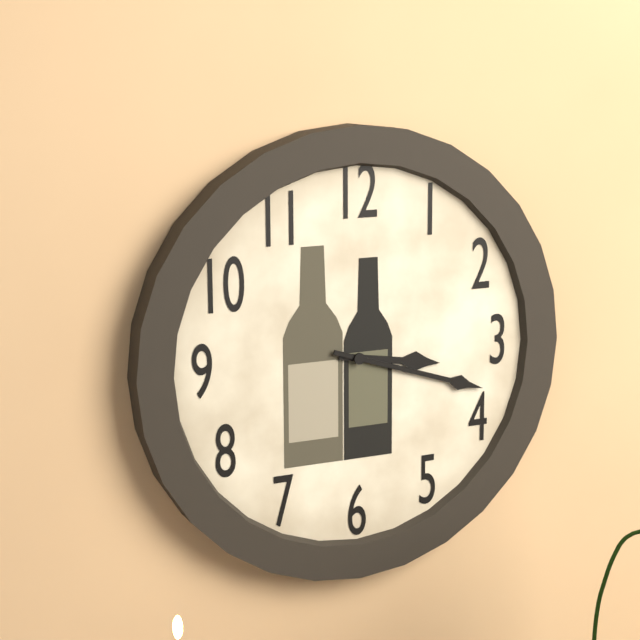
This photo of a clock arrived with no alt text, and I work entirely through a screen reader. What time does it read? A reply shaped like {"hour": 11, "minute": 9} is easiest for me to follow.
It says {"hour": 3, "minute": 18}
